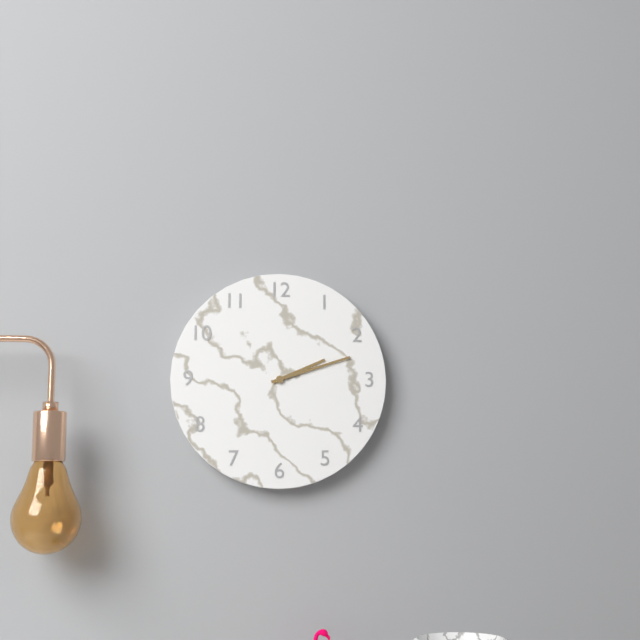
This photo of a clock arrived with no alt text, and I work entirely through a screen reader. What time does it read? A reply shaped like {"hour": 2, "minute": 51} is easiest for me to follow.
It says {"hour": 2, "minute": 12}
